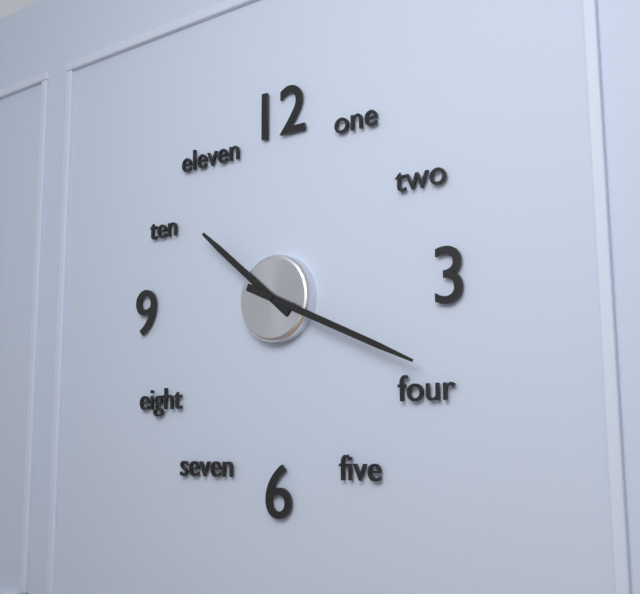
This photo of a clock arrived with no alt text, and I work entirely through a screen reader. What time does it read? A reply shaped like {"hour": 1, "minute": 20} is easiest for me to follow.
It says {"hour": 10, "minute": 19}
